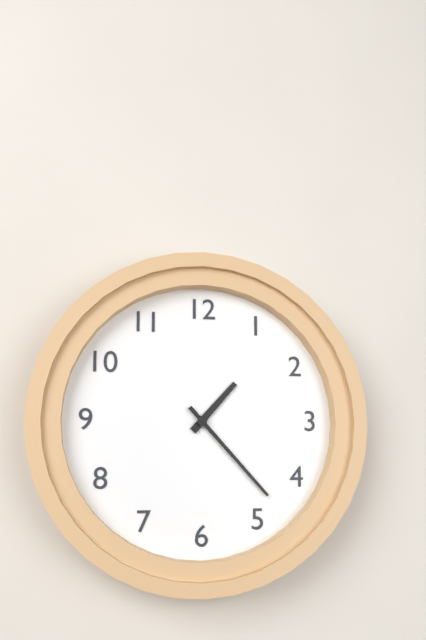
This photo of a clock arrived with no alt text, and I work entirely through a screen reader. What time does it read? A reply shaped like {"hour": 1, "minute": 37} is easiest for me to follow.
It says {"hour": 1, "minute": 23}
